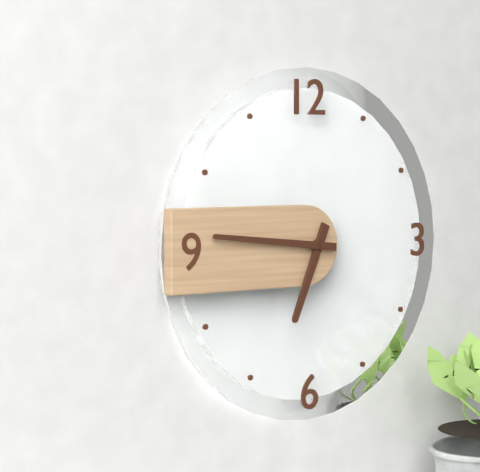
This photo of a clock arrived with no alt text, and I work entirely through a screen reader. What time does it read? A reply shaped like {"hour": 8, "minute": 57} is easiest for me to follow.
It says {"hour": 6, "minute": 46}
